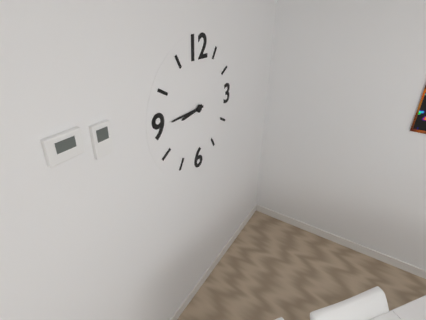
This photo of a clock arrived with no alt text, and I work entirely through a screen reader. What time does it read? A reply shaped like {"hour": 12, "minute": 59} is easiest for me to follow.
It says {"hour": 8, "minute": 45}
